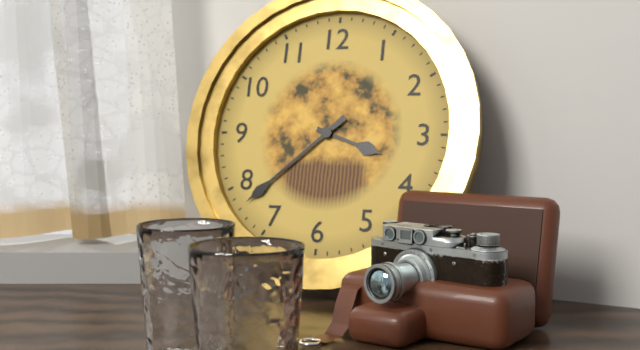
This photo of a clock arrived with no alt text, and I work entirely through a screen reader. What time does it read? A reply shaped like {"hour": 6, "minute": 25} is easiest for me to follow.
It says {"hour": 3, "minute": 38}
